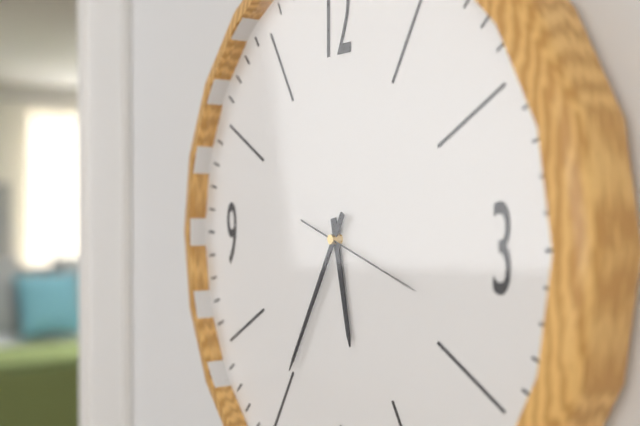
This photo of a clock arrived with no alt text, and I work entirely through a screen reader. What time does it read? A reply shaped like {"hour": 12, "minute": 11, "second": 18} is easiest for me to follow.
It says {"hour": 5, "minute": 35, "second": 18}
